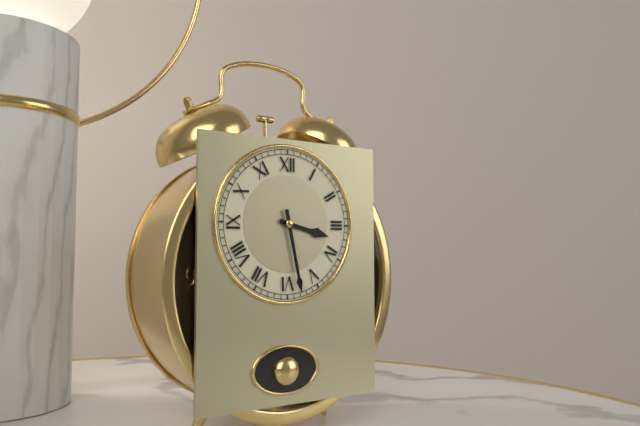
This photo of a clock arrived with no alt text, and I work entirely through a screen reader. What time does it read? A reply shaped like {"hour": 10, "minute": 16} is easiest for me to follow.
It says {"hour": 3, "minute": 28}
